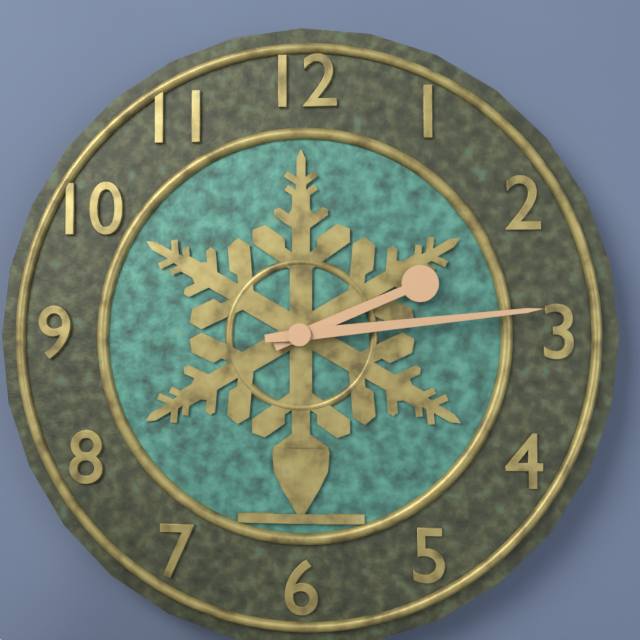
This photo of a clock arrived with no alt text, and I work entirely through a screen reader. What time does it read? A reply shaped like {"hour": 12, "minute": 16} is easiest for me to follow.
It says {"hour": 2, "minute": 14}
